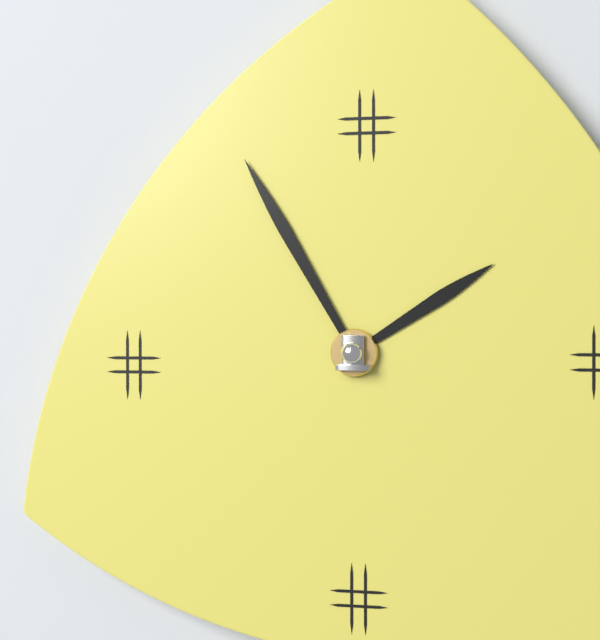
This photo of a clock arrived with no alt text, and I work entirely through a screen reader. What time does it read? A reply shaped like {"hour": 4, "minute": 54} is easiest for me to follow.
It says {"hour": 1, "minute": 55}
